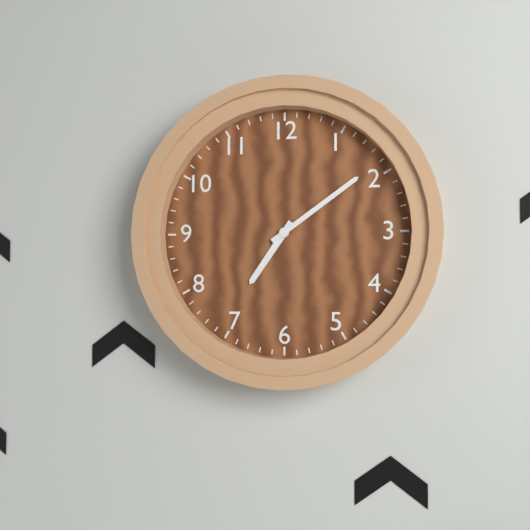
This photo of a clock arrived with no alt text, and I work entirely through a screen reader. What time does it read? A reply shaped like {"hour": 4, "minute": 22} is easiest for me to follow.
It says {"hour": 7, "minute": 9}
